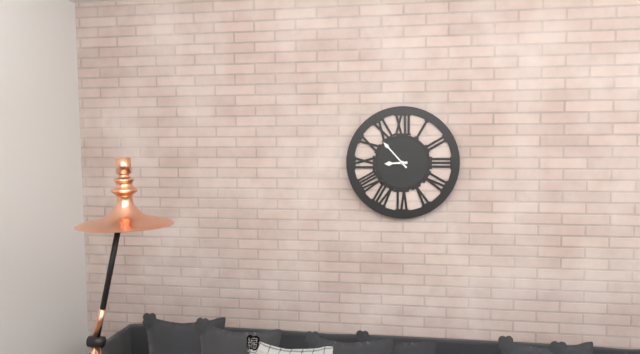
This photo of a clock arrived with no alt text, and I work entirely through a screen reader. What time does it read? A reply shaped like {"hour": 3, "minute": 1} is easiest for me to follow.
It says {"hour": 8, "minute": 53}
